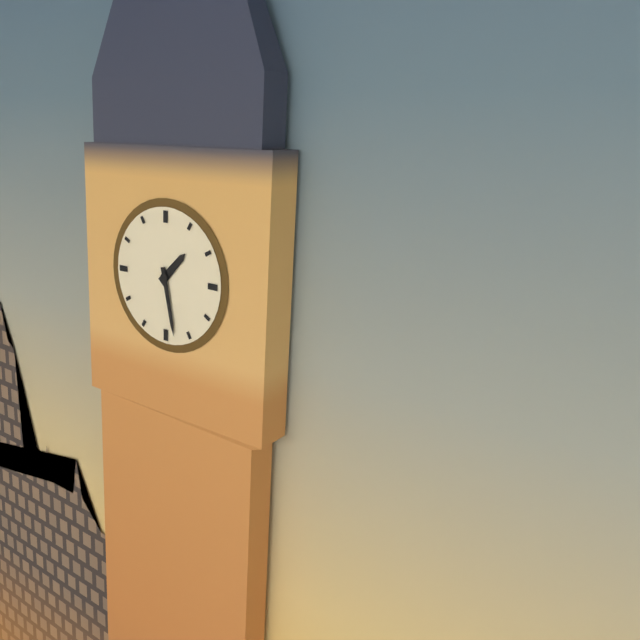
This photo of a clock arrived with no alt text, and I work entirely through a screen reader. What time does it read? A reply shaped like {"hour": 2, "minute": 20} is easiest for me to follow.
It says {"hour": 1, "minute": 28}
